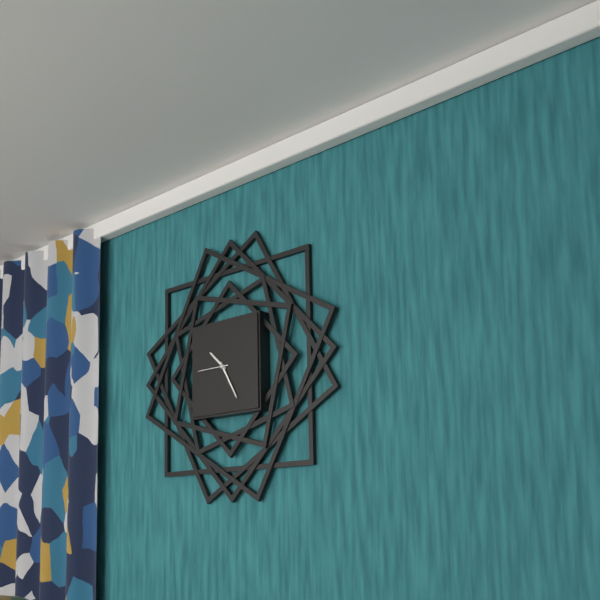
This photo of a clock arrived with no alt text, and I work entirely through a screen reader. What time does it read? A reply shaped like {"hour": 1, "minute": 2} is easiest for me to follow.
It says {"hour": 10, "minute": 25}
